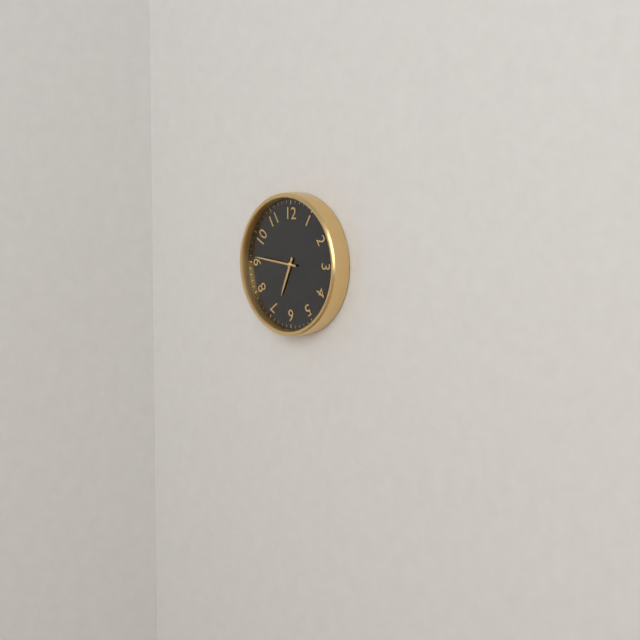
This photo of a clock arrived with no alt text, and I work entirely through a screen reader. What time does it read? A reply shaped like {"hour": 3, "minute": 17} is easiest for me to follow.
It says {"hour": 6, "minute": 46}
